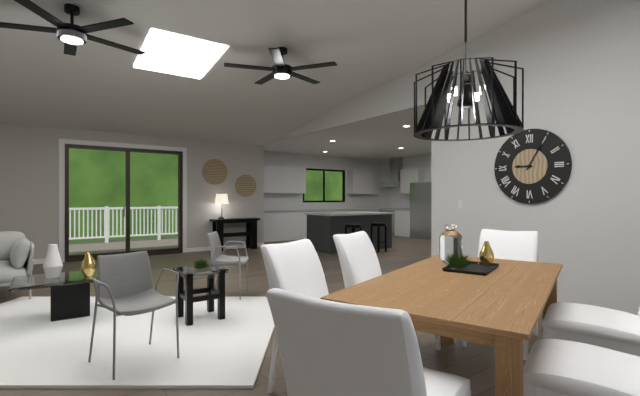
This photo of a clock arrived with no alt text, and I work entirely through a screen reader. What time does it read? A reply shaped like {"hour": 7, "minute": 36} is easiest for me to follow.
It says {"hour": 9, "minute": 5}
